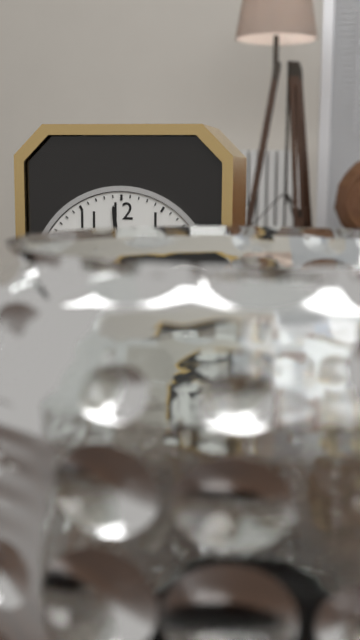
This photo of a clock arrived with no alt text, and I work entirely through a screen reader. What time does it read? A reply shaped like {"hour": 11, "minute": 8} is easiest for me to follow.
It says {"hour": 9, "minute": 59}
